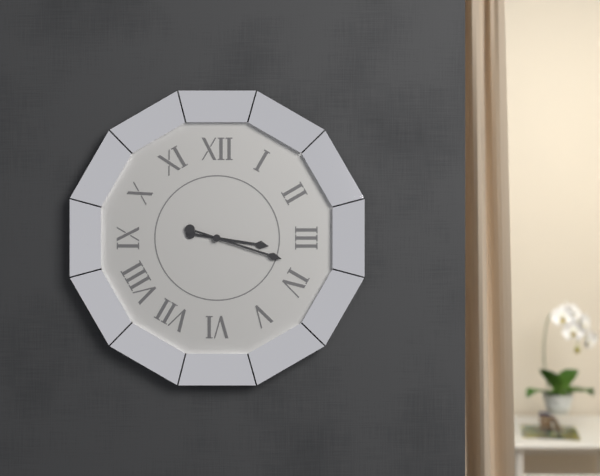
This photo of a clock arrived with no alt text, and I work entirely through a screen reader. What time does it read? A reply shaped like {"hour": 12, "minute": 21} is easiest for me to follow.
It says {"hour": 3, "minute": 18}
